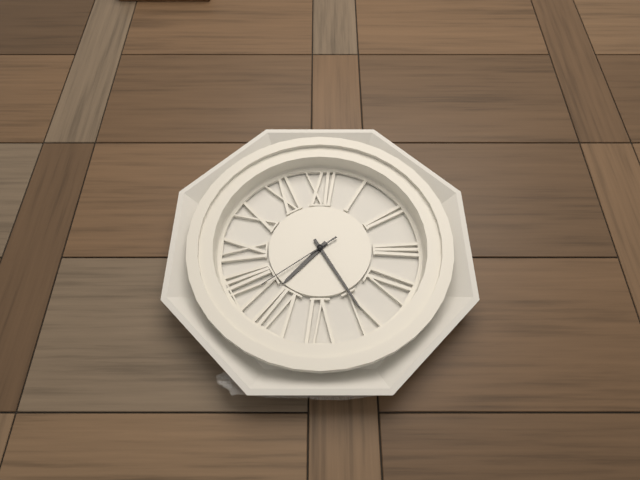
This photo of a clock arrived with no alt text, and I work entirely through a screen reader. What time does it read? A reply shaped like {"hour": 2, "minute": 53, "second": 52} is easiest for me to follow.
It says {"hour": 7, "minute": 25, "second": 39}
